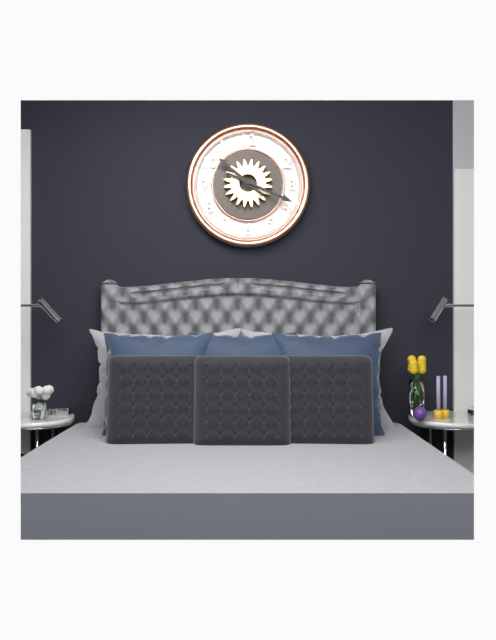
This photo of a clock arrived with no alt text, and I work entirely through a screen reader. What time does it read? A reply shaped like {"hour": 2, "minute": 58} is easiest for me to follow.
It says {"hour": 10, "minute": 19}
